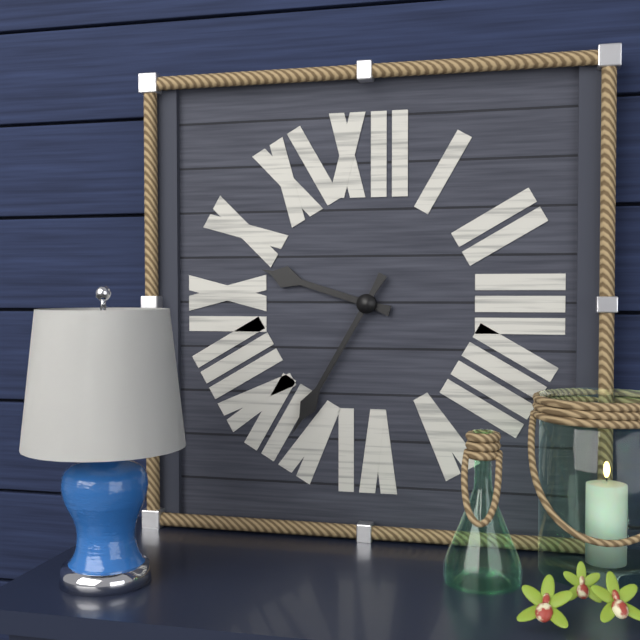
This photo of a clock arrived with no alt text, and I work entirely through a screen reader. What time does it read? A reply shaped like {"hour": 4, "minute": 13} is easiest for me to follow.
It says {"hour": 9, "minute": 35}
